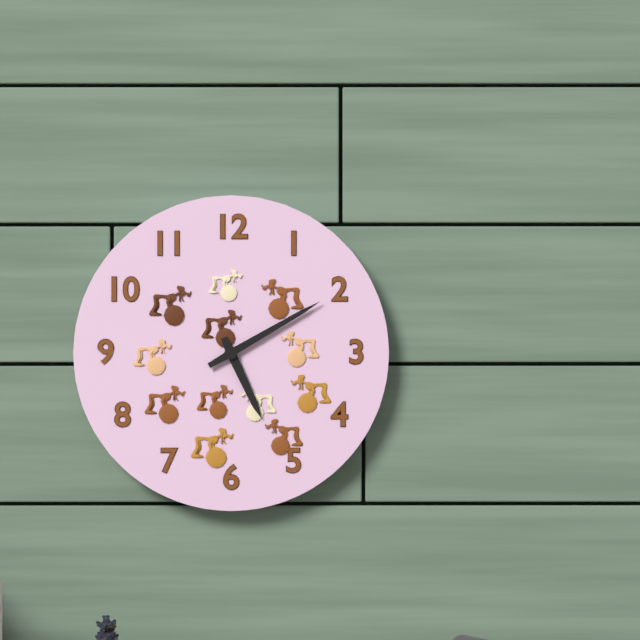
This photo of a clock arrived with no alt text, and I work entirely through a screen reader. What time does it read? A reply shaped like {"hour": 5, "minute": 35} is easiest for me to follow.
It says {"hour": 5, "minute": 10}
